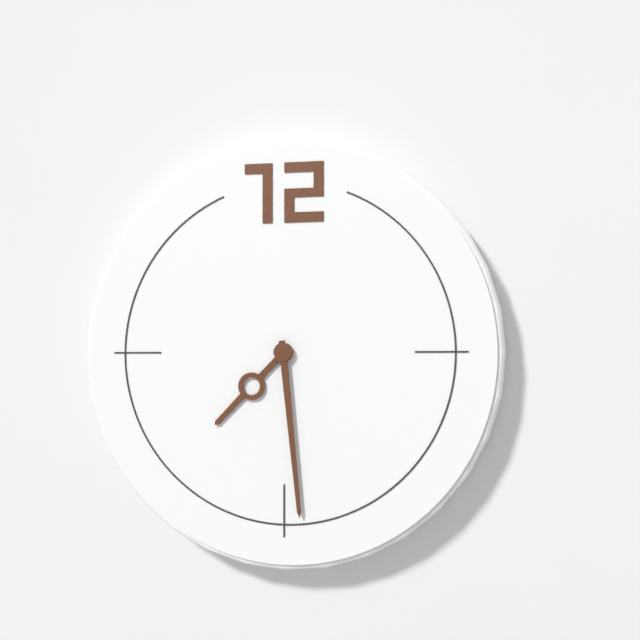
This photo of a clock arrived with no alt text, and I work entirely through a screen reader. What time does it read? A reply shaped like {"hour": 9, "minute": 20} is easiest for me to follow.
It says {"hour": 7, "minute": 29}
